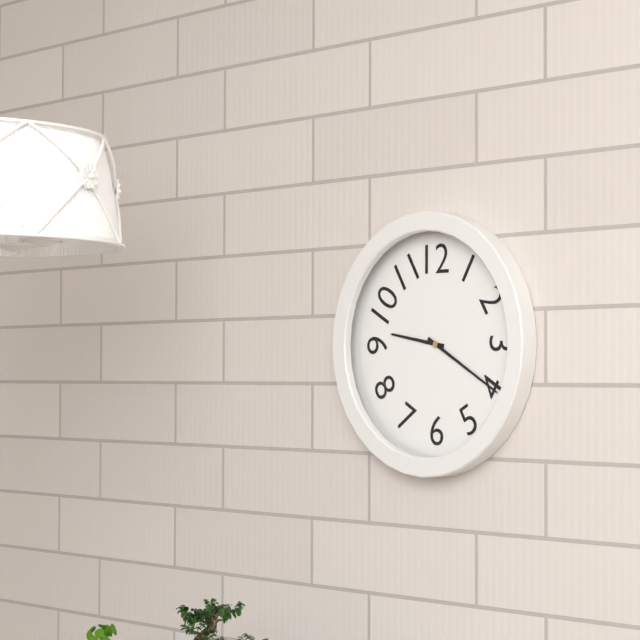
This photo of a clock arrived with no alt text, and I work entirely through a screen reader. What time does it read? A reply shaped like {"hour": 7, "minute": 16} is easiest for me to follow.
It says {"hour": 9, "minute": 20}
